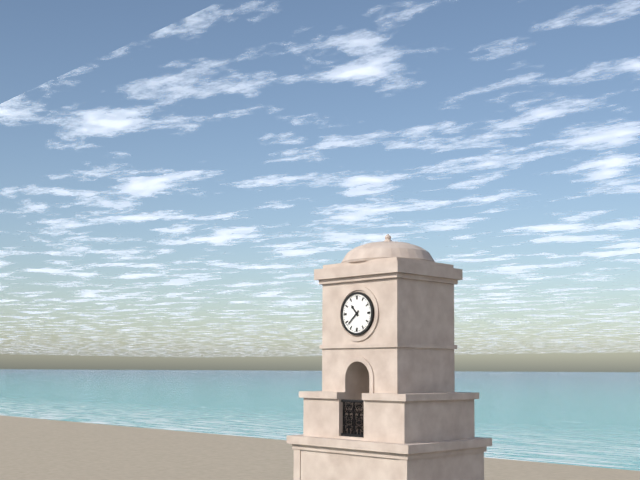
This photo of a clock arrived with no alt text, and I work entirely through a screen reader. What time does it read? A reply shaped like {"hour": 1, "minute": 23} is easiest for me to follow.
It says {"hour": 10, "minute": 38}
